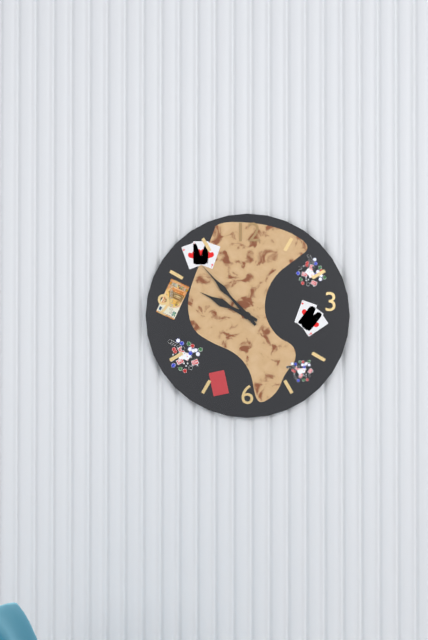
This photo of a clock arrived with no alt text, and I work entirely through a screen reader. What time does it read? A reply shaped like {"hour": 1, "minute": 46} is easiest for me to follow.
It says {"hour": 9, "minute": 53}
